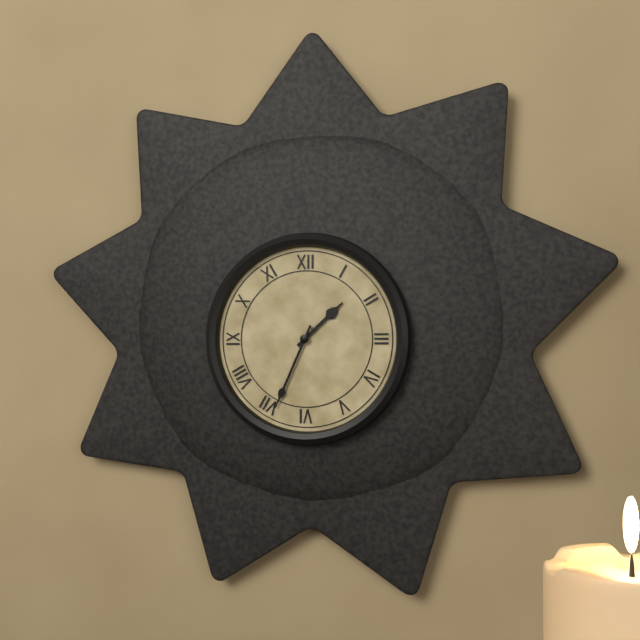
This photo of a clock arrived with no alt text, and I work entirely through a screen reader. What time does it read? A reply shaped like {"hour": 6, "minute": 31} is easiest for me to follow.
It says {"hour": 1, "minute": 34}
